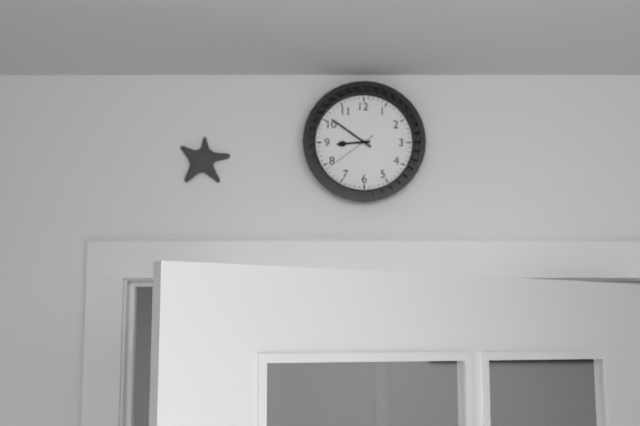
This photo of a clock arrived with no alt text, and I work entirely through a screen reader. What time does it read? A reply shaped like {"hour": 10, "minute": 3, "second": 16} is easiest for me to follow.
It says {"hour": 8, "minute": 51, "second": 39}
